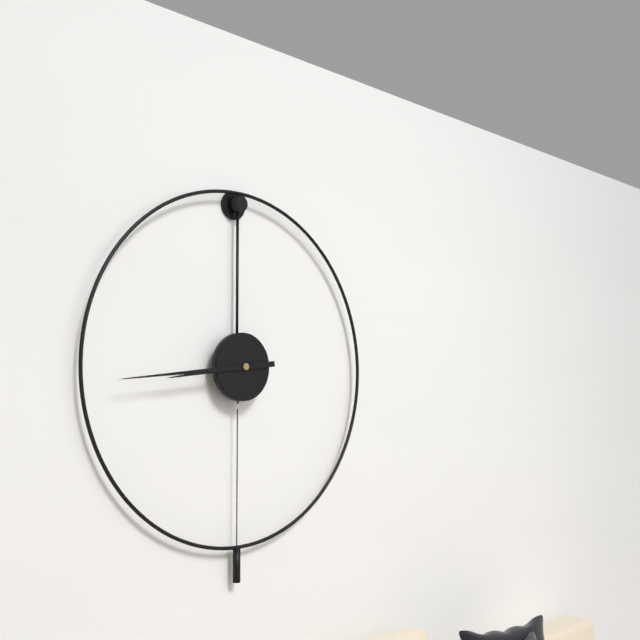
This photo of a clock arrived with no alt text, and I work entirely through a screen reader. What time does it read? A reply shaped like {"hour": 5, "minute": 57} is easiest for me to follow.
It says {"hour": 8, "minute": 44}
